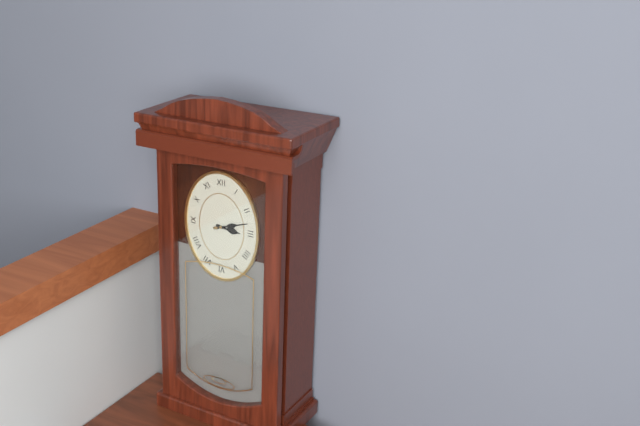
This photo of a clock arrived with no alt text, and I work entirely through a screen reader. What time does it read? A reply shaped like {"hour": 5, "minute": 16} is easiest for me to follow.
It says {"hour": 3, "minute": 12}
